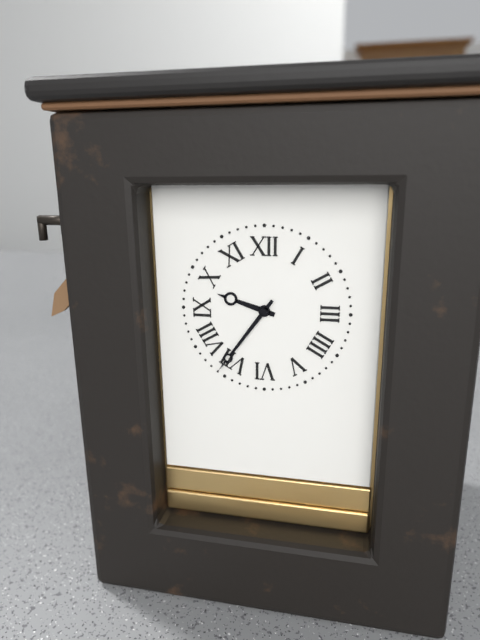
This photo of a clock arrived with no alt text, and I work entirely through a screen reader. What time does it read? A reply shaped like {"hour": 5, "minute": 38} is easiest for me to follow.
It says {"hour": 9, "minute": 36}
